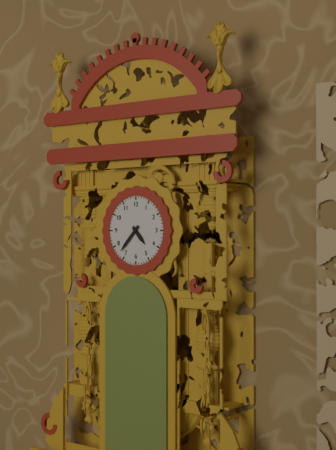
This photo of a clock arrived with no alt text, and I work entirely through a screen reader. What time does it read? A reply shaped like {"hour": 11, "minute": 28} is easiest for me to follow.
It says {"hour": 4, "minute": 37}
